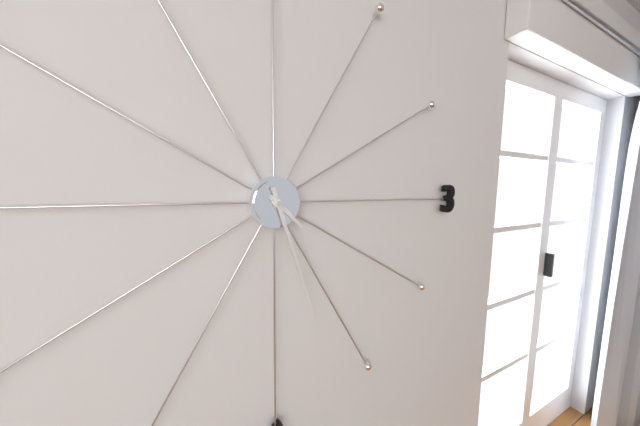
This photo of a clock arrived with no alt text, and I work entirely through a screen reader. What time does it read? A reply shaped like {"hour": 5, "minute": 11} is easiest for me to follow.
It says {"hour": 4, "minute": 27}
